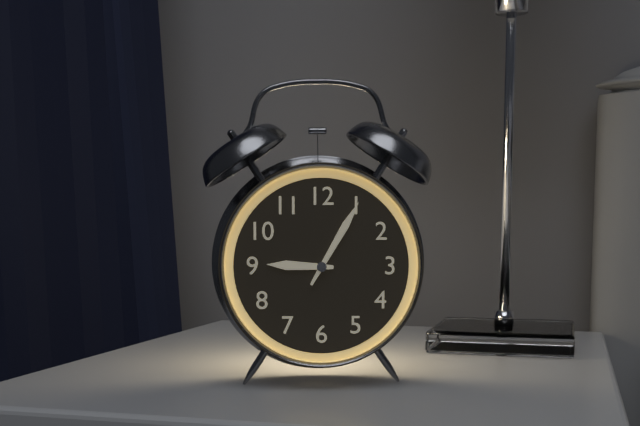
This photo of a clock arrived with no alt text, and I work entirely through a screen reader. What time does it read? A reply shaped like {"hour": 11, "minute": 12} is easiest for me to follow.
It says {"hour": 9, "minute": 5}
